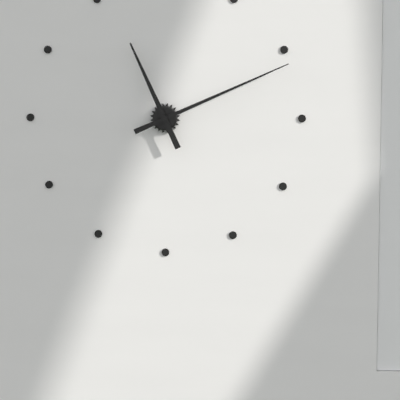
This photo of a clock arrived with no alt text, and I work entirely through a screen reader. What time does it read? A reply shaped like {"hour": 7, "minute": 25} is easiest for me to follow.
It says {"hour": 11, "minute": 11}
